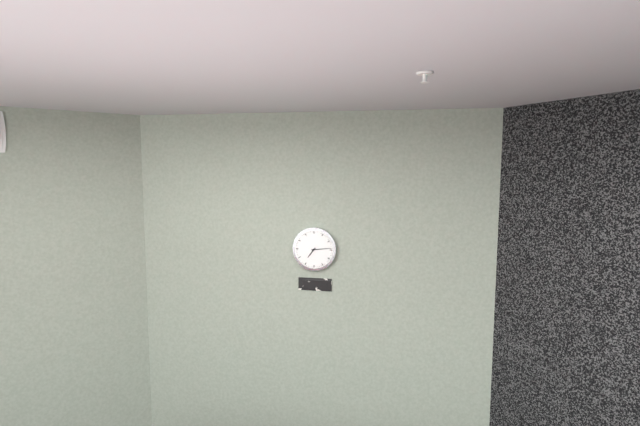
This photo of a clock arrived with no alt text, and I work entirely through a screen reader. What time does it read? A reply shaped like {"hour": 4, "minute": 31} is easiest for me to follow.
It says {"hour": 7, "minute": 14}
